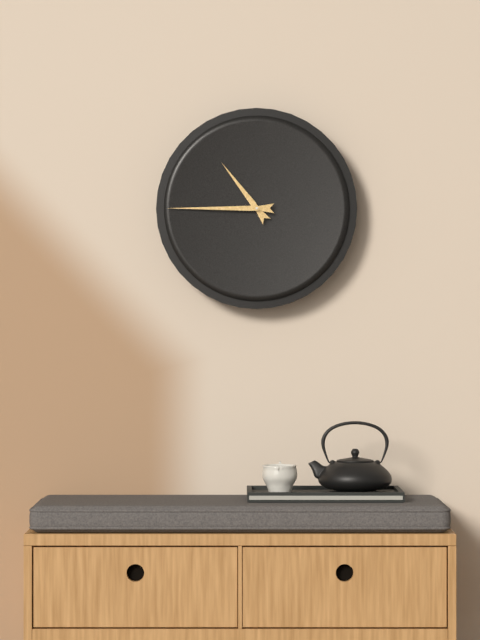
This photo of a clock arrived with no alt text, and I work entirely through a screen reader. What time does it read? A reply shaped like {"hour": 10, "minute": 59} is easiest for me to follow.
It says {"hour": 10, "minute": 45}
